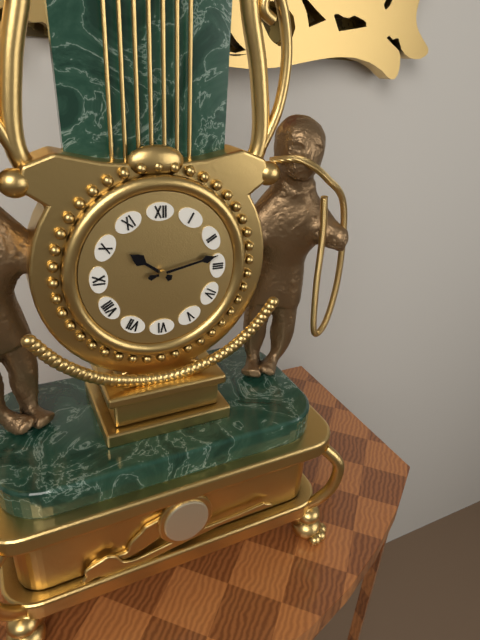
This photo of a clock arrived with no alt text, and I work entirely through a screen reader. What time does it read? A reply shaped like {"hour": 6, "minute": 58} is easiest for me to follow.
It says {"hour": 10, "minute": 13}
